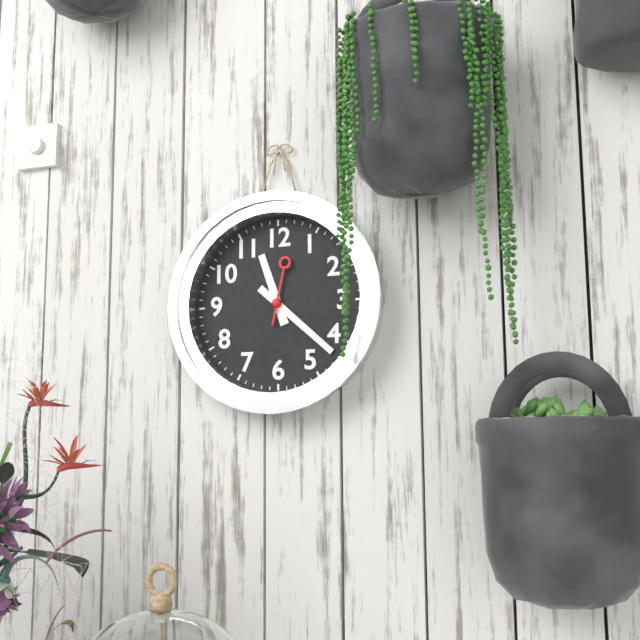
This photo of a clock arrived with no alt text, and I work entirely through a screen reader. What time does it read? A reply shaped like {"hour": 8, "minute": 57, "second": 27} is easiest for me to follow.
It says {"hour": 11, "minute": 22, "second": 2}
